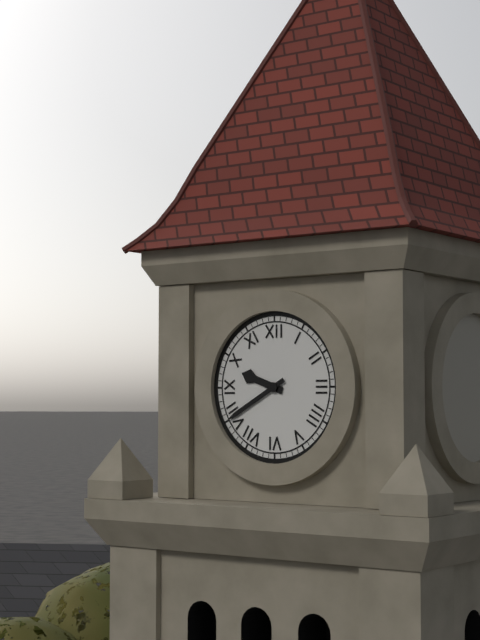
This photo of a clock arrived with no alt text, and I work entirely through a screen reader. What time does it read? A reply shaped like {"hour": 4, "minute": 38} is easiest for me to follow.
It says {"hour": 9, "minute": 40}
